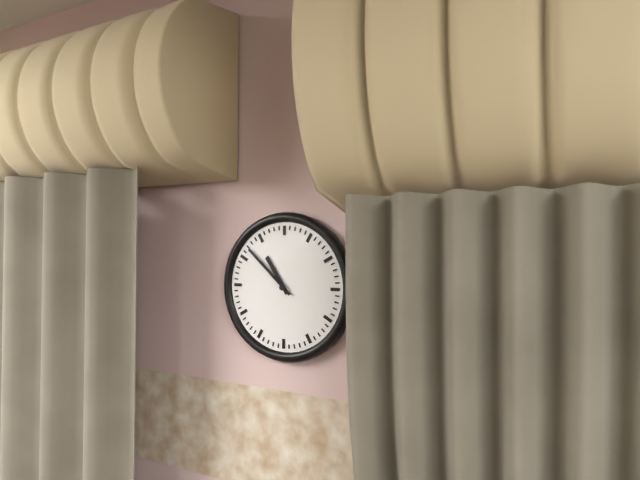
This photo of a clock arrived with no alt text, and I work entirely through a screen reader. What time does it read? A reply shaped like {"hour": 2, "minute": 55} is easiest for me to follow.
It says {"hour": 10, "minute": 52}
